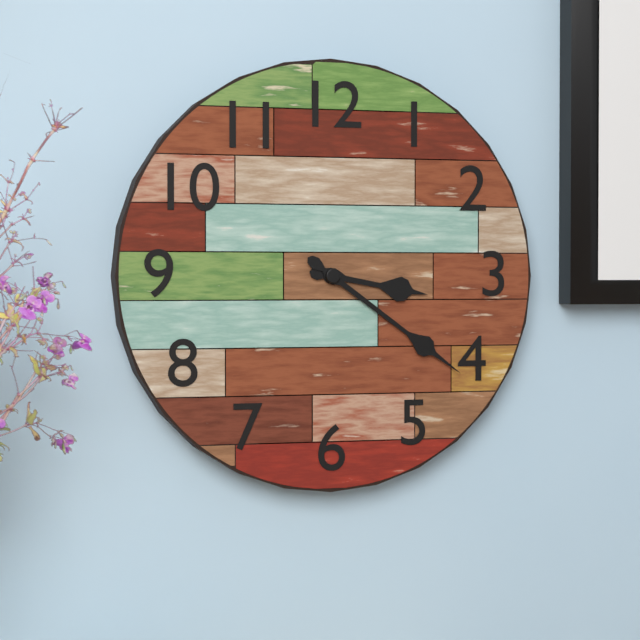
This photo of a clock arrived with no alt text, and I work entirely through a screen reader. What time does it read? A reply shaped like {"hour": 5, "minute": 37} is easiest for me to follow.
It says {"hour": 3, "minute": 21}
